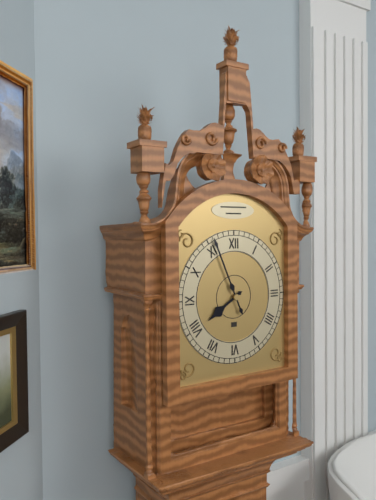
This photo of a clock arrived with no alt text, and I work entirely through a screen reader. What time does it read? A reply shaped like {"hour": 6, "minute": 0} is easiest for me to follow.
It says {"hour": 7, "minute": 56}
